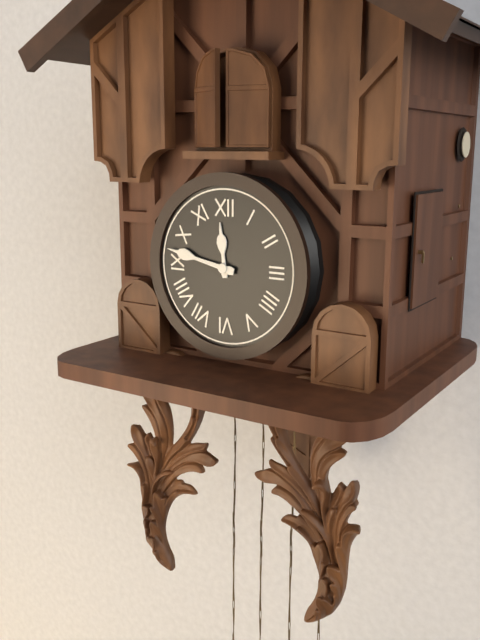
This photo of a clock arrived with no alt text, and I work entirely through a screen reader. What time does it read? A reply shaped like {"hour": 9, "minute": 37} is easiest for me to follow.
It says {"hour": 11, "minute": 47}
